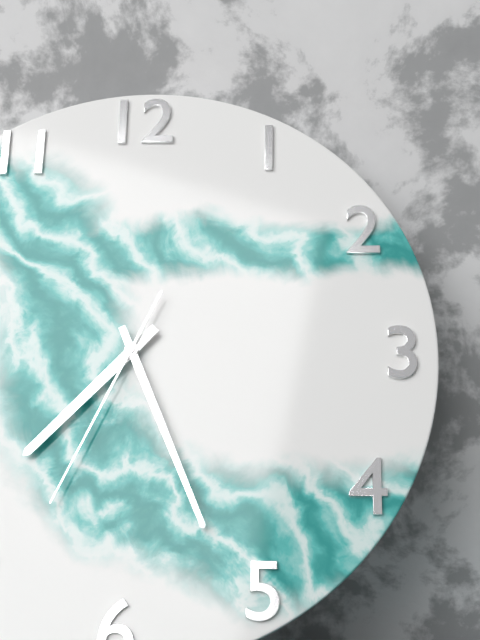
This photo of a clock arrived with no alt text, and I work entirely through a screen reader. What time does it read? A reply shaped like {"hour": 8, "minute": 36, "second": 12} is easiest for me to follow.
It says {"hour": 7, "minute": 26, "second": 34}
